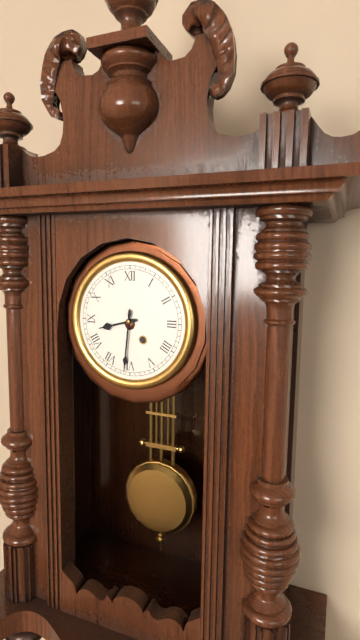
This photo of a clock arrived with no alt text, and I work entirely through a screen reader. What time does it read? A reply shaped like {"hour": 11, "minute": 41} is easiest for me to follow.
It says {"hour": 8, "minute": 31}
